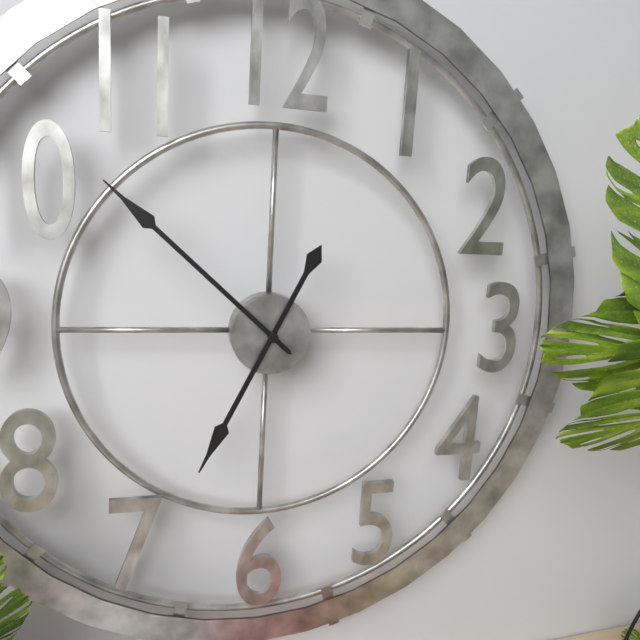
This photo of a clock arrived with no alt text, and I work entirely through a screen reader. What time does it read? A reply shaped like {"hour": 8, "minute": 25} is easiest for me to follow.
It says {"hour": 6, "minute": 52}
